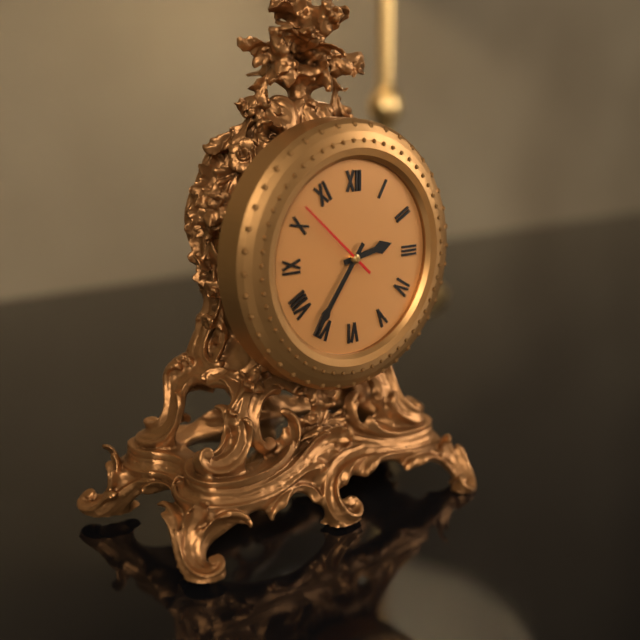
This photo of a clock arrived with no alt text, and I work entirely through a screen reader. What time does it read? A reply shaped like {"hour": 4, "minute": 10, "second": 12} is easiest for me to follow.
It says {"hour": 2, "minute": 36, "second": 52}
